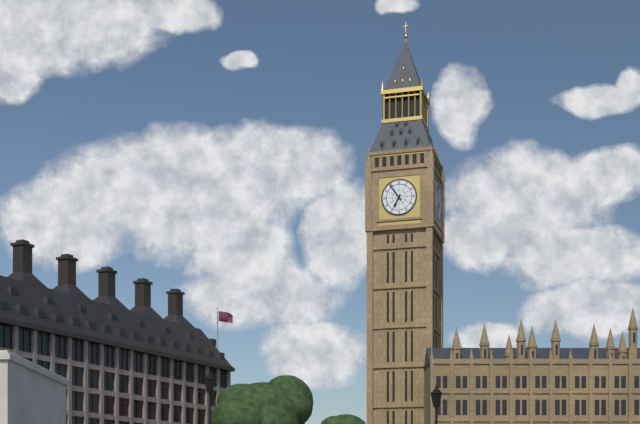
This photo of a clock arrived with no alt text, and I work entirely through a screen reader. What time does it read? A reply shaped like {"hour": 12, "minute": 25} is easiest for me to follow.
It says {"hour": 6, "minute": 54}
